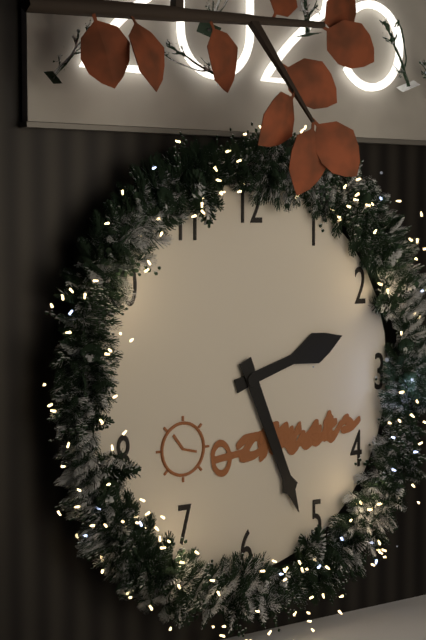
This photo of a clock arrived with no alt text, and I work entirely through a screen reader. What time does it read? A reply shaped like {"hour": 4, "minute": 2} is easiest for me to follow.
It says {"hour": 2, "minute": 26}
